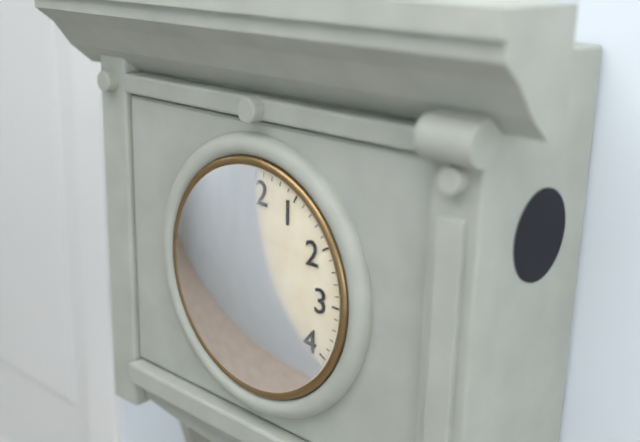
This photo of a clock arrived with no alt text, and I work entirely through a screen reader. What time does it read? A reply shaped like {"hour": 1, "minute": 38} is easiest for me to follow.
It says {"hour": 7, "minute": 37}
